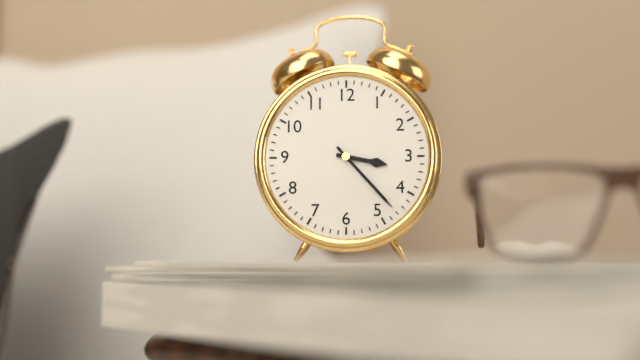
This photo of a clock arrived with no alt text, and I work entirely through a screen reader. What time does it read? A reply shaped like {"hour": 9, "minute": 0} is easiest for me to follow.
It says {"hour": 3, "minute": 23}
